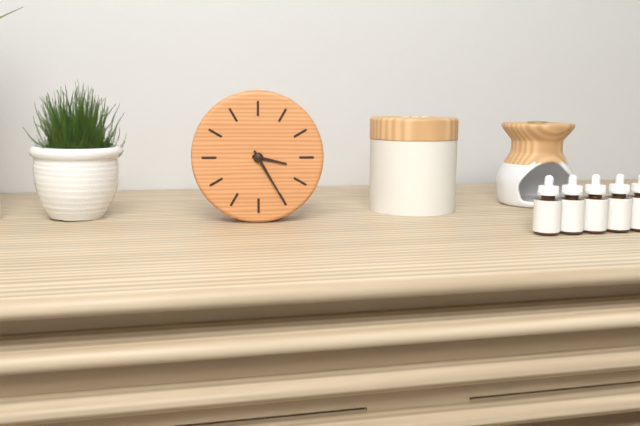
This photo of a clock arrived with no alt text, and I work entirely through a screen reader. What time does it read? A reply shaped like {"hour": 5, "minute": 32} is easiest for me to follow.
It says {"hour": 3, "minute": 25}
